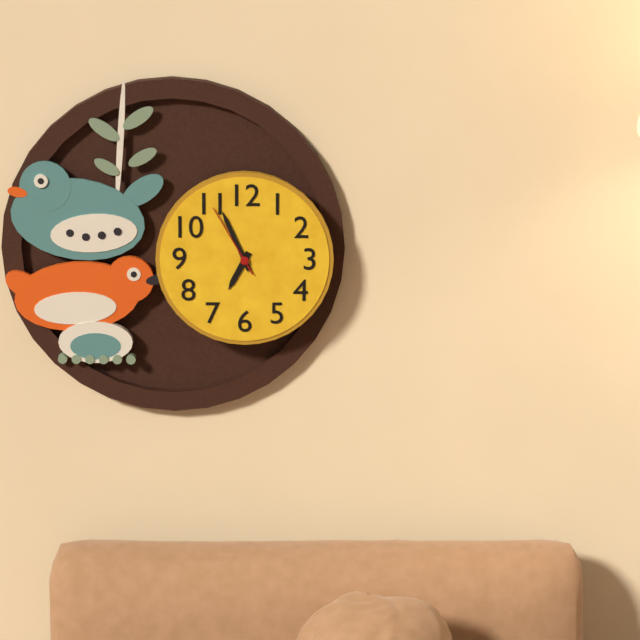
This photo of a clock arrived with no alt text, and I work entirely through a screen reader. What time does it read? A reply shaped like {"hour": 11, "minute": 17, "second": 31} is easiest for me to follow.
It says {"hour": 6, "minute": 56, "second": 55}
